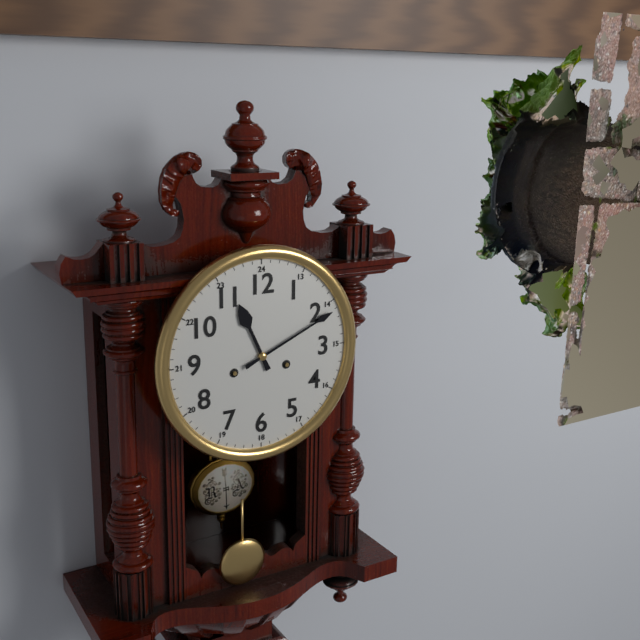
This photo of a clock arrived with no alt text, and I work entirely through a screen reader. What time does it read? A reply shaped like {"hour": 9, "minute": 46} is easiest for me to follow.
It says {"hour": 11, "minute": 11}
